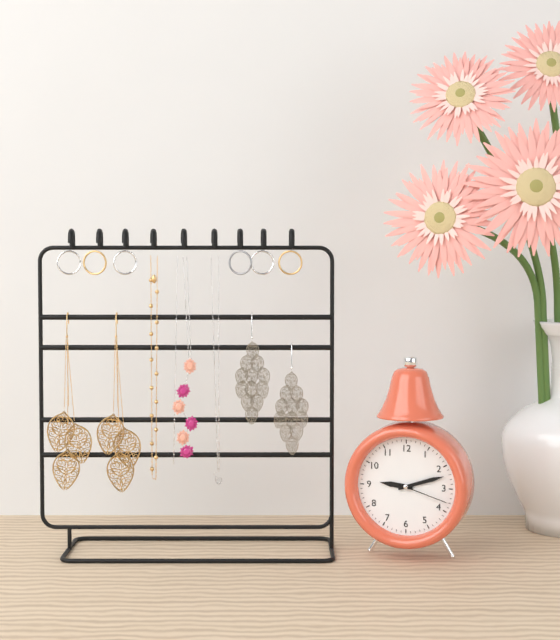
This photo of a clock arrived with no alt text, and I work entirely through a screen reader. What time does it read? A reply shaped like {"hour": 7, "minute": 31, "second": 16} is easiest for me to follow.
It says {"hour": 9, "minute": 12, "second": 18}
